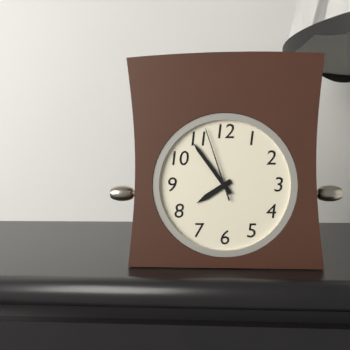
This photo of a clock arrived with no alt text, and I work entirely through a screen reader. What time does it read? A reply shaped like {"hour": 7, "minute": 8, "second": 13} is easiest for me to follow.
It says {"hour": 7, "minute": 54, "second": 57}
